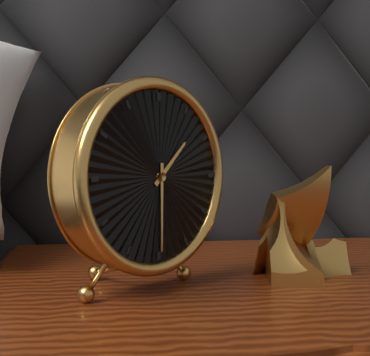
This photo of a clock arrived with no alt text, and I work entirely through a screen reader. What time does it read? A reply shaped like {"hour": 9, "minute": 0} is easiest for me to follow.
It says {"hour": 1, "minute": 30}
